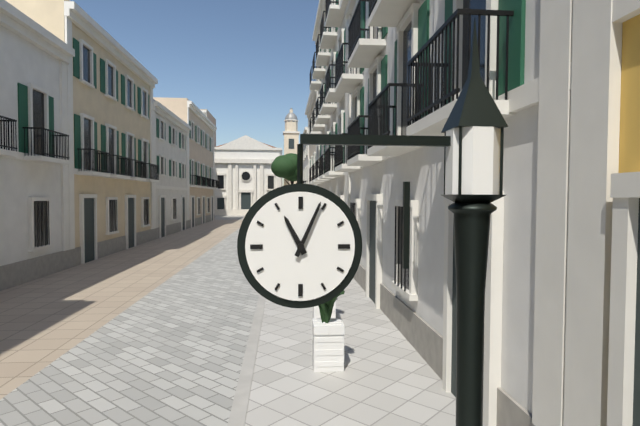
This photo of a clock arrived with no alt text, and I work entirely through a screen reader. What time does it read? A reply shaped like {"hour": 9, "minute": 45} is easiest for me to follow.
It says {"hour": 11, "minute": 4}
